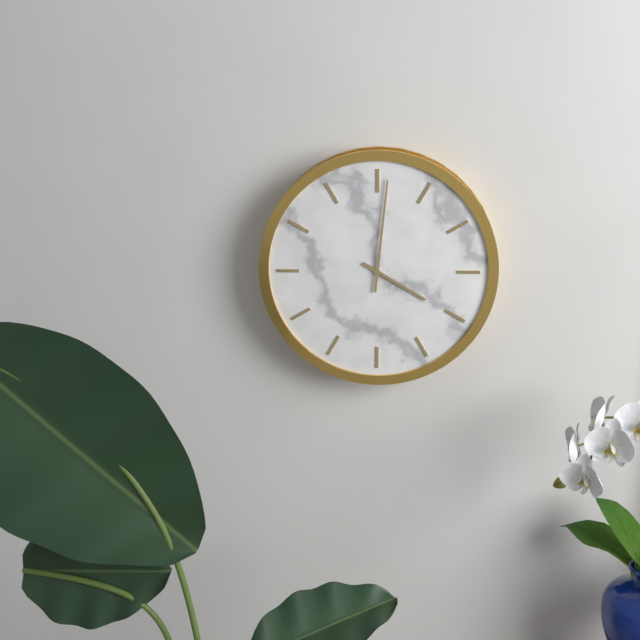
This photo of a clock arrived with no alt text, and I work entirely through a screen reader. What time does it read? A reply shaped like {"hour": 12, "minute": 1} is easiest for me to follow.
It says {"hour": 4, "minute": 1}
